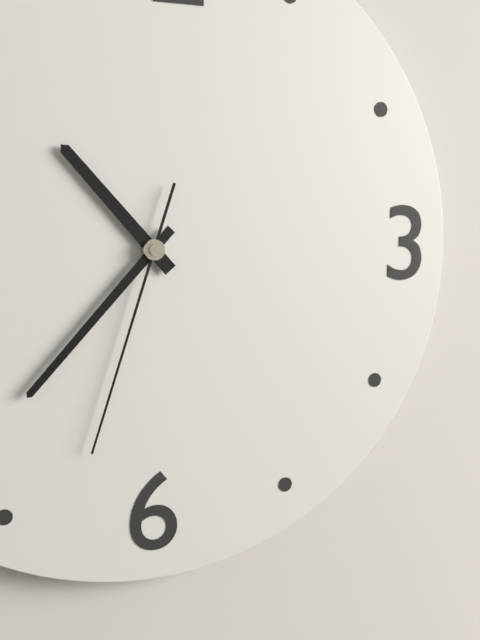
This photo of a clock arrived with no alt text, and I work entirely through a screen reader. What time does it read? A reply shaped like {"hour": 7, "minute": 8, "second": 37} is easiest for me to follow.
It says {"hour": 10, "minute": 37, "second": 33}
